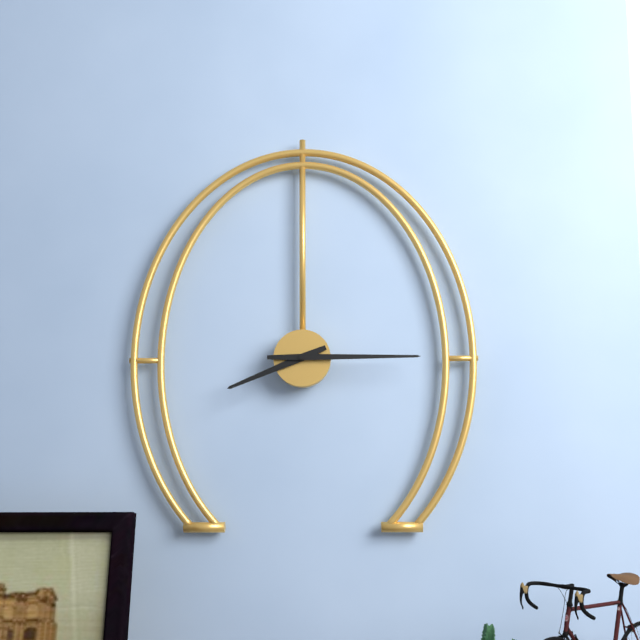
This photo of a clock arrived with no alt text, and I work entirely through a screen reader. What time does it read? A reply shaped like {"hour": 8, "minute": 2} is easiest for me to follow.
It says {"hour": 8, "minute": 15}
